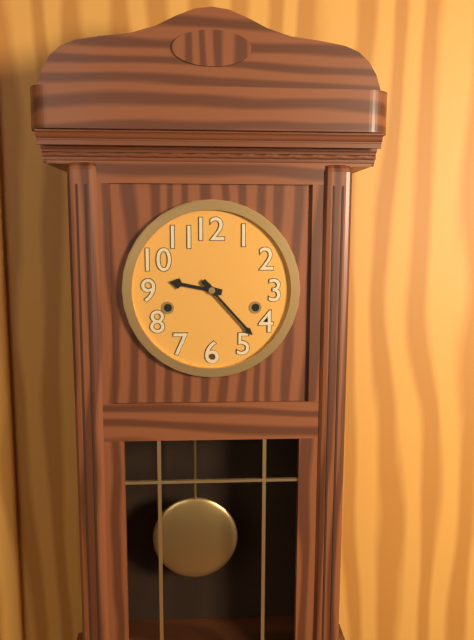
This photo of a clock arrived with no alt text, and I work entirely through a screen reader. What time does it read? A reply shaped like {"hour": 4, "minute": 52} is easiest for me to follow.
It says {"hour": 9, "minute": 23}
